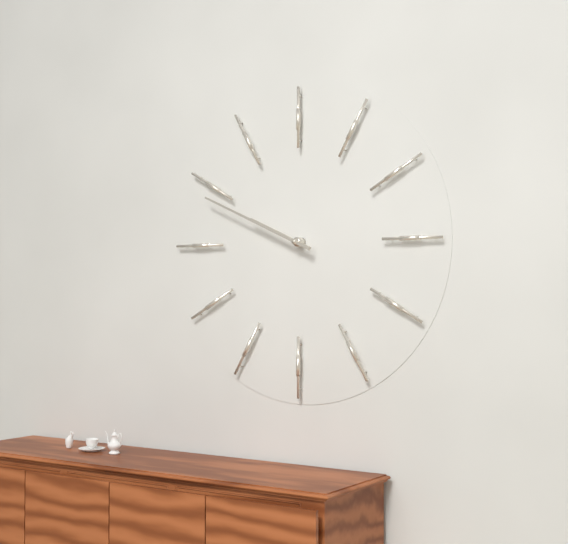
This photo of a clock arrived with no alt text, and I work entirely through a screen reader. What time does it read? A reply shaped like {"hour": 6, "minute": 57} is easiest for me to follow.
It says {"hour": 9, "minute": 49}
